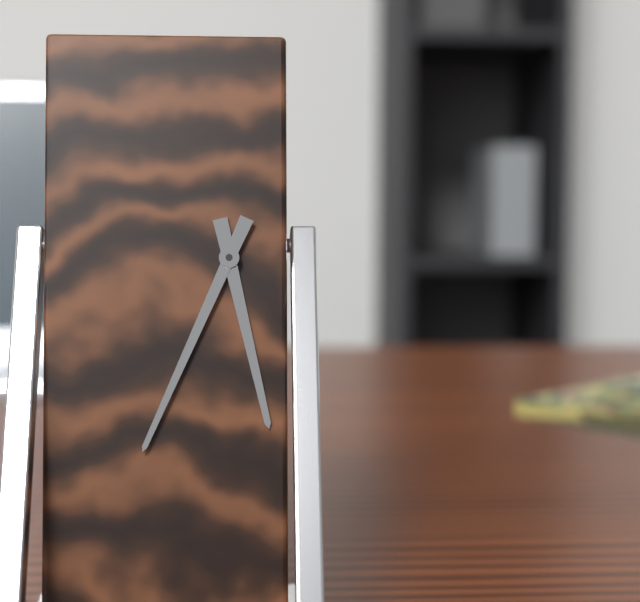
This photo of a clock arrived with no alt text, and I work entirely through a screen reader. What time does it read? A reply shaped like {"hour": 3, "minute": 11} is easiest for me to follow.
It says {"hour": 5, "minute": 34}
